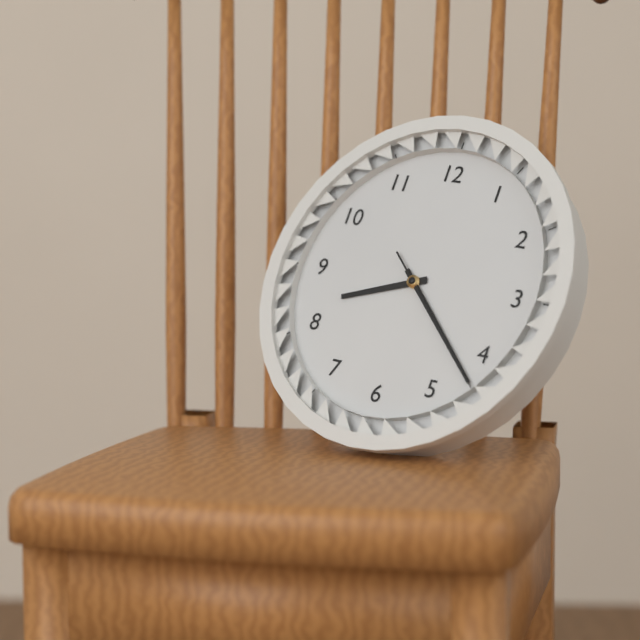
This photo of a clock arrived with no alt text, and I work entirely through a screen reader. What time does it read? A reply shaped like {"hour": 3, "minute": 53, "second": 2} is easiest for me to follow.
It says {"hour": 8, "minute": 22, "second": 22}
